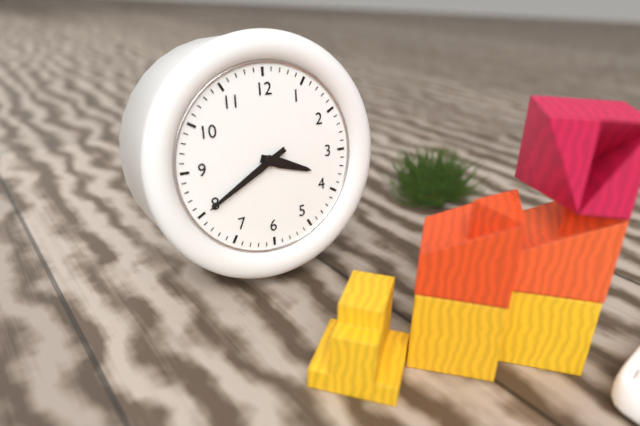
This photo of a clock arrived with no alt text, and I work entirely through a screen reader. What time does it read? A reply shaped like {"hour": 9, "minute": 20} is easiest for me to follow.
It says {"hour": 3, "minute": 40}
